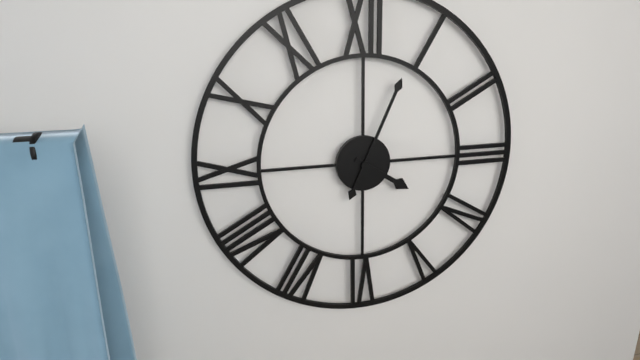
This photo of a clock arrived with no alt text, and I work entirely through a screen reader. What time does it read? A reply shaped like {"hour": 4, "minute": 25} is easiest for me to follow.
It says {"hour": 4, "minute": 4}
